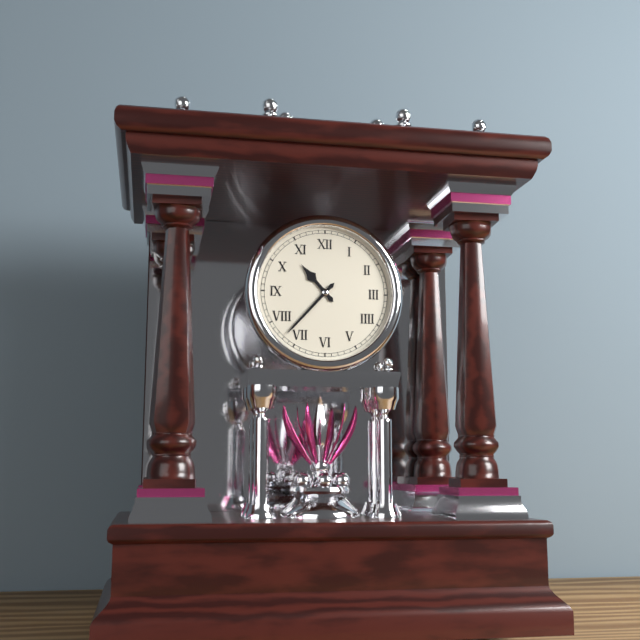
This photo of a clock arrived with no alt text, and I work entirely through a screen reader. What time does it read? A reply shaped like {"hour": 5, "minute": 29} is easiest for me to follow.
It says {"hour": 10, "minute": 37}
